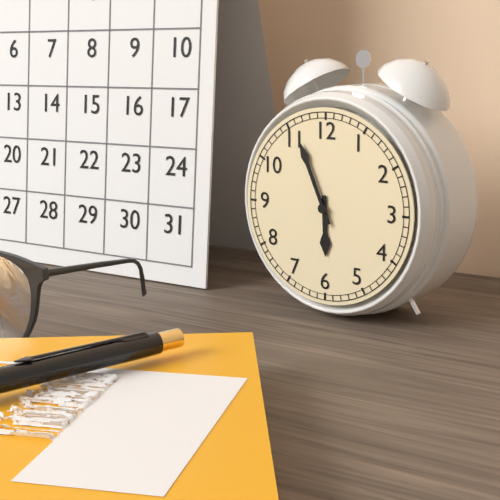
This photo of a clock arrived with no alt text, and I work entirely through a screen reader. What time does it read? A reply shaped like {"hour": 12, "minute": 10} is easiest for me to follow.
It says {"hour": 5, "minute": 56}
